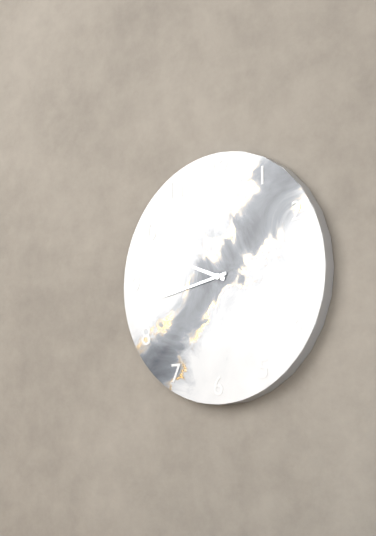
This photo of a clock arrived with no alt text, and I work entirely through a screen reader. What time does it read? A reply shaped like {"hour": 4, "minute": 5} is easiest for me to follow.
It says {"hour": 9, "minute": 43}
